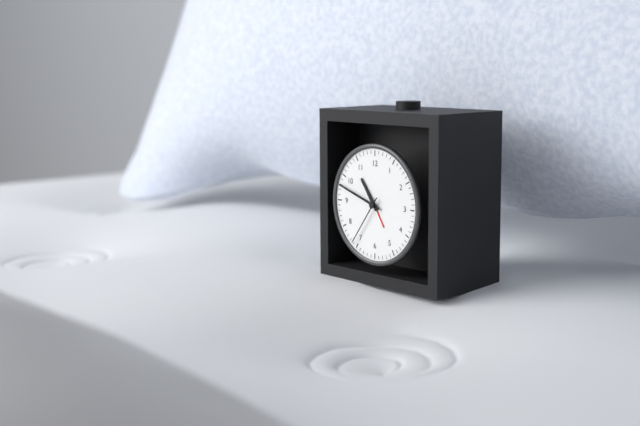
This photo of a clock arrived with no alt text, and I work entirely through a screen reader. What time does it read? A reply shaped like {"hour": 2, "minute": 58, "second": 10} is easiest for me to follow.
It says {"hour": 10, "minute": 48, "second": 36}
